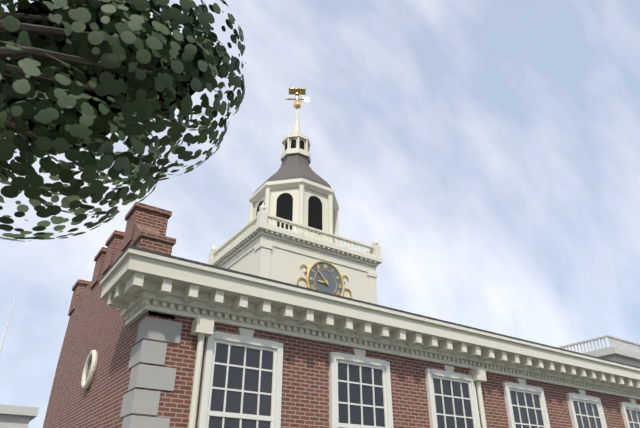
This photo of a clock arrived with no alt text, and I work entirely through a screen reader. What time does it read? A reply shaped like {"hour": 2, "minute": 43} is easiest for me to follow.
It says {"hour": 8, "minute": 53}
